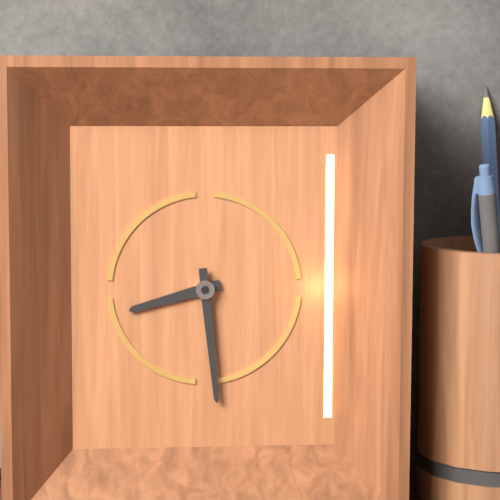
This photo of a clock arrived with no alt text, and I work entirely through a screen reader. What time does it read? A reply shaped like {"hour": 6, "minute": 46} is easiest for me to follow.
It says {"hour": 8, "minute": 29}
